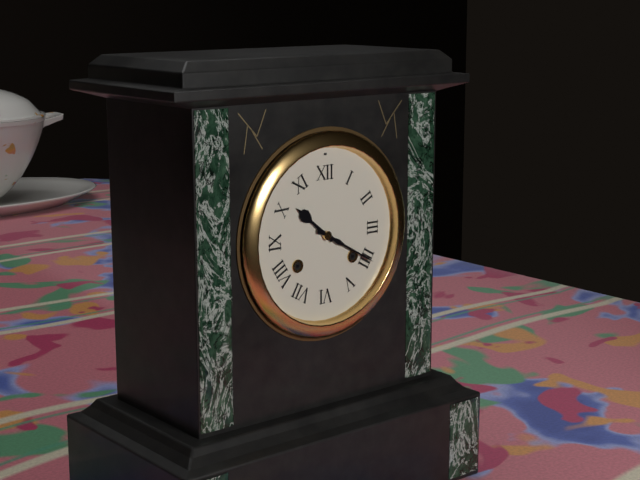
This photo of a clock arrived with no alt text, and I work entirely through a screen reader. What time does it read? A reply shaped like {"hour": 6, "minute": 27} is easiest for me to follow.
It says {"hour": 10, "minute": 20}
